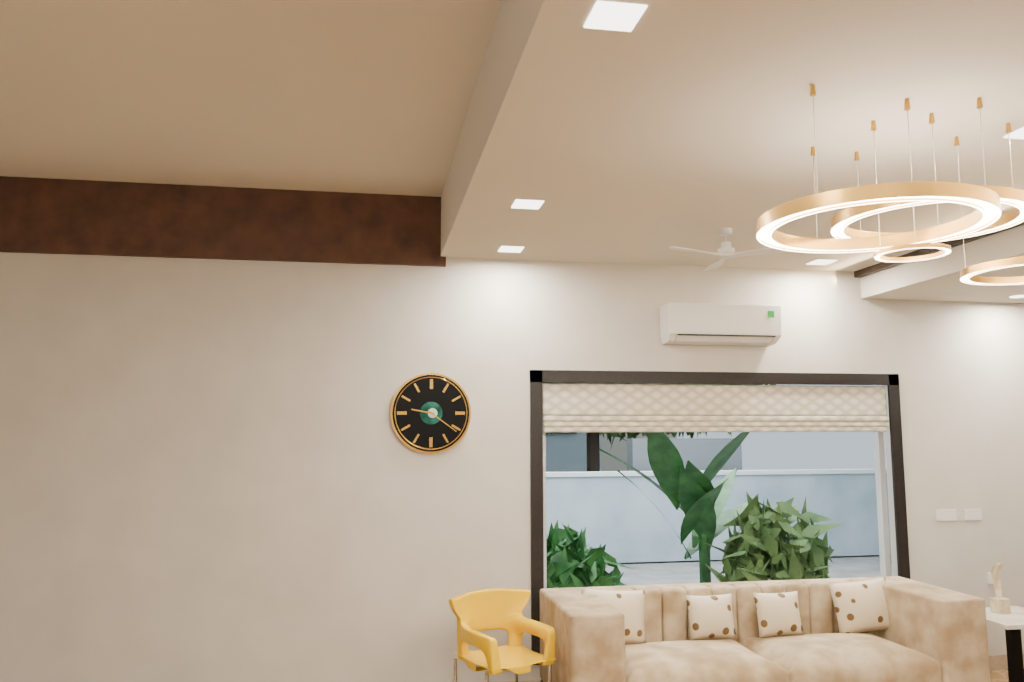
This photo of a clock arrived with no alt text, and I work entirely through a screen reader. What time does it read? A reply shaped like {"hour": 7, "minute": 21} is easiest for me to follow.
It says {"hour": 9, "minute": 21}
